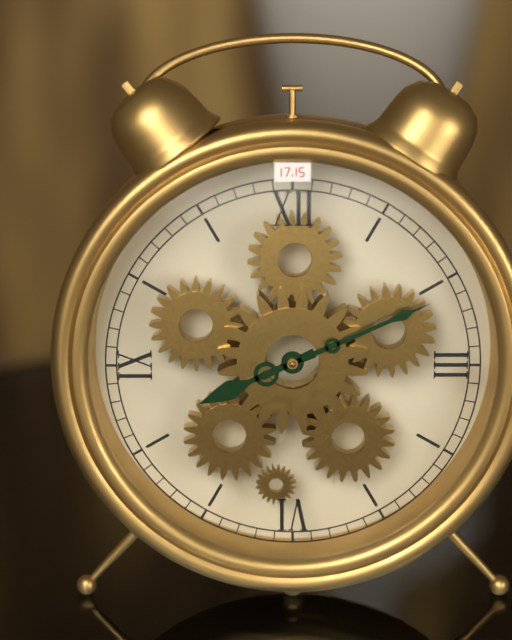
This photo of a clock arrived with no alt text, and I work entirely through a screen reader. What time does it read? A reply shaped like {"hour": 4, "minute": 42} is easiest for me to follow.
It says {"hour": 8, "minute": 11}
